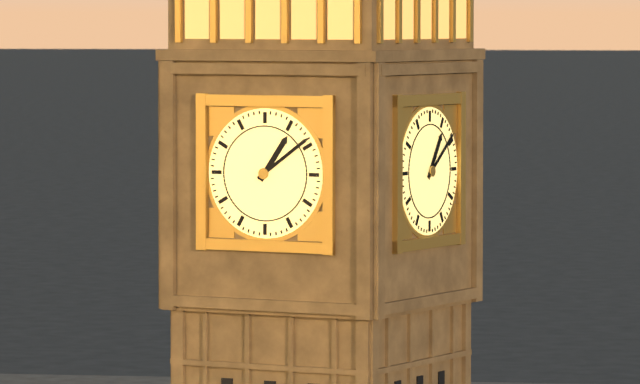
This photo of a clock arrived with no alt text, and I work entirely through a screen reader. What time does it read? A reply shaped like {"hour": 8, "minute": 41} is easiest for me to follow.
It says {"hour": 1, "minute": 9}
